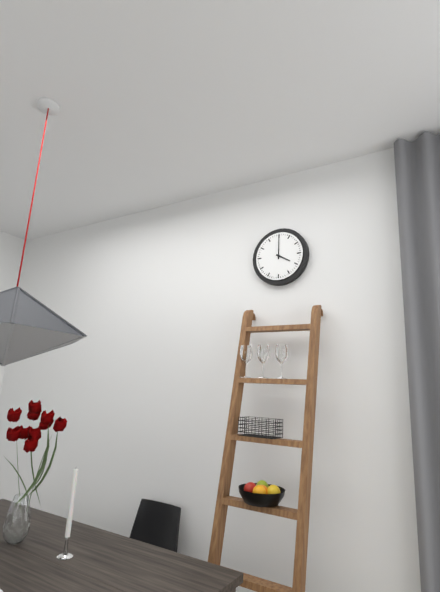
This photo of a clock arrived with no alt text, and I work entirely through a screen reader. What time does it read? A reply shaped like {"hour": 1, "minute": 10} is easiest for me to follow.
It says {"hour": 4, "minute": 0}
